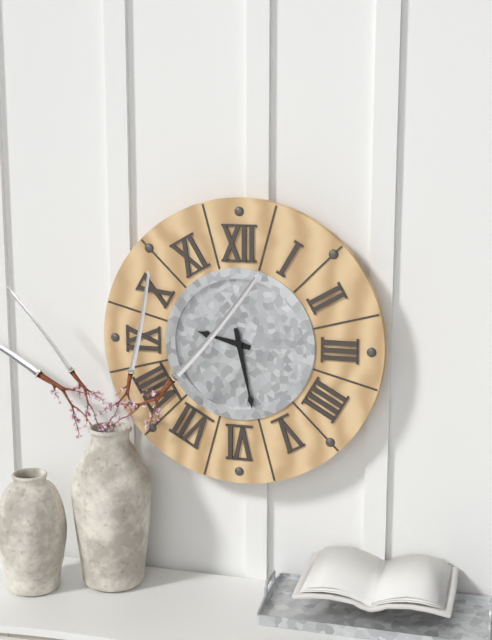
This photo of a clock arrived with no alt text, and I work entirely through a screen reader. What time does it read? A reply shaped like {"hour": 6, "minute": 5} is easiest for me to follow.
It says {"hour": 9, "minute": 28}
